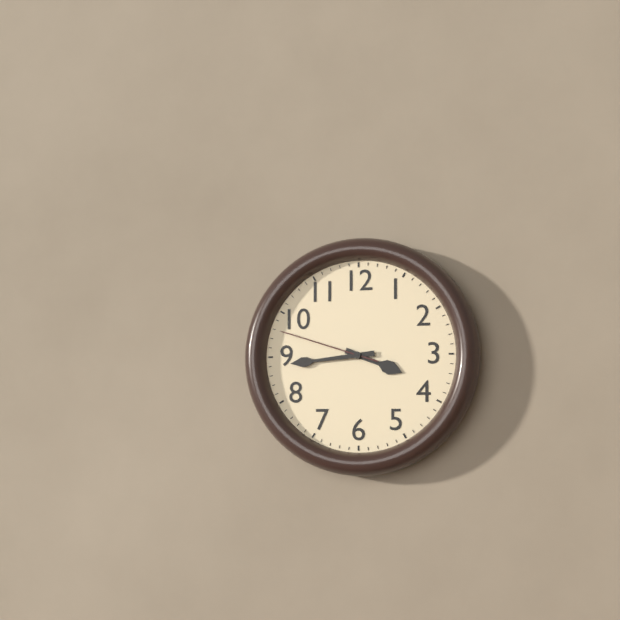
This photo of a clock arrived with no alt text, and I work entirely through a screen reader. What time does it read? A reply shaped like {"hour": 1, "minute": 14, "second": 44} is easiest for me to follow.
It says {"hour": 3, "minute": 44, "second": 48}
